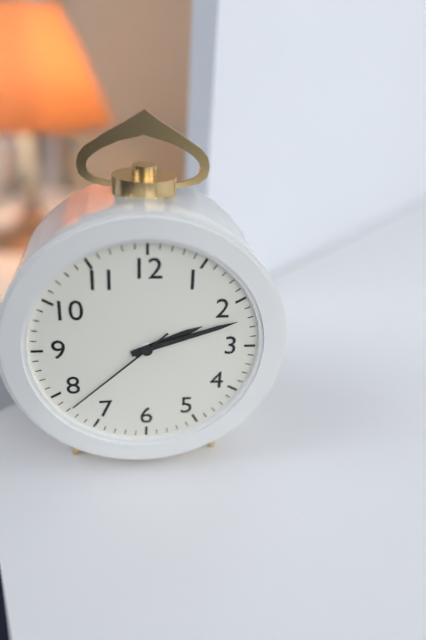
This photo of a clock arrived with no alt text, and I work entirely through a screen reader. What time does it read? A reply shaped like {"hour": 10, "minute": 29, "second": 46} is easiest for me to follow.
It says {"hour": 2, "minute": 12, "second": 38}
